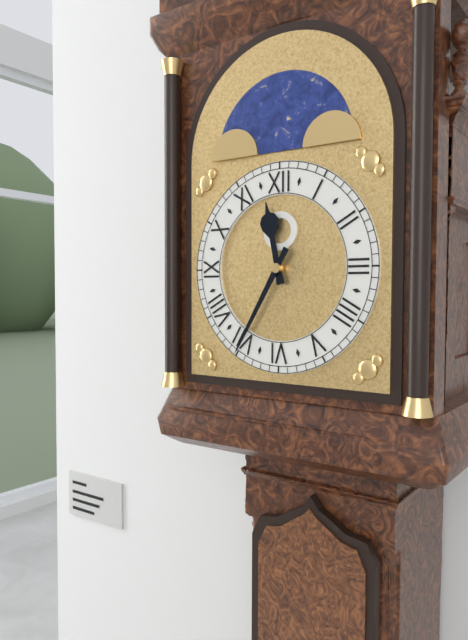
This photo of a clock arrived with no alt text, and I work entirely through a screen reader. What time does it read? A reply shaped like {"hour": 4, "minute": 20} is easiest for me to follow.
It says {"hour": 11, "minute": 35}
